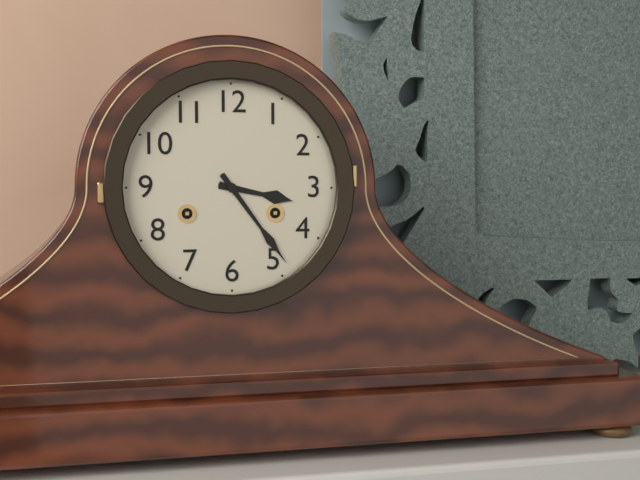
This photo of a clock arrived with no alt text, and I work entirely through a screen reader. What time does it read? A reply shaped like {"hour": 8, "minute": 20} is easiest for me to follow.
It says {"hour": 3, "minute": 24}
